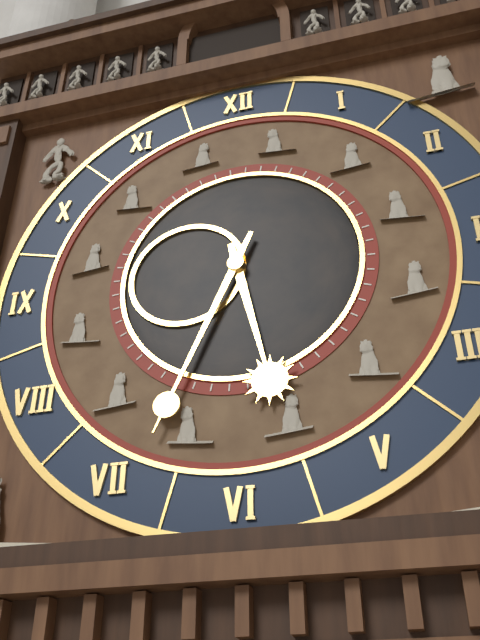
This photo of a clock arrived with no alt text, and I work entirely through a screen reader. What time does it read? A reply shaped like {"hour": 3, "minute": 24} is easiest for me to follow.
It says {"hour": 5, "minute": 34}
